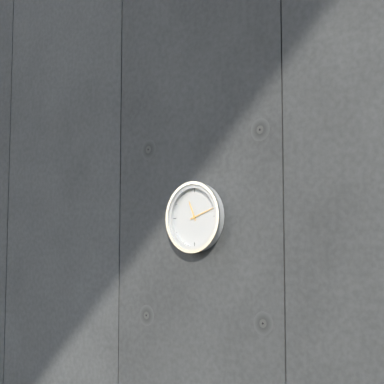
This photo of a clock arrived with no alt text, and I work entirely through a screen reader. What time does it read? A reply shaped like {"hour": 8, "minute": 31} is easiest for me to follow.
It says {"hour": 11, "minute": 12}
